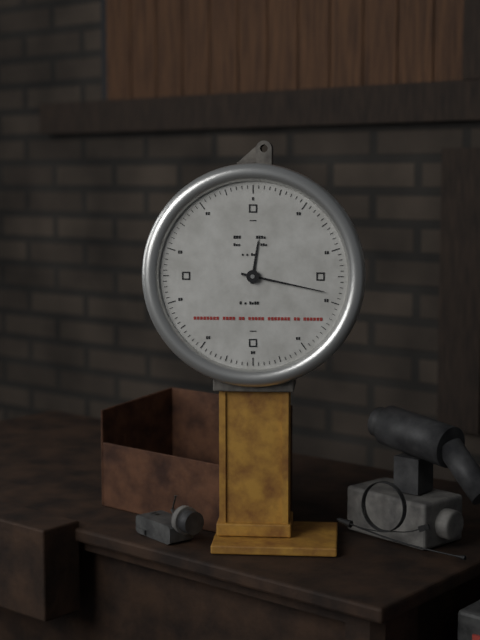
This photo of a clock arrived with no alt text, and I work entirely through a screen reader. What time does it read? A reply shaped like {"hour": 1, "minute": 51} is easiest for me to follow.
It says {"hour": 12, "minute": 17}
